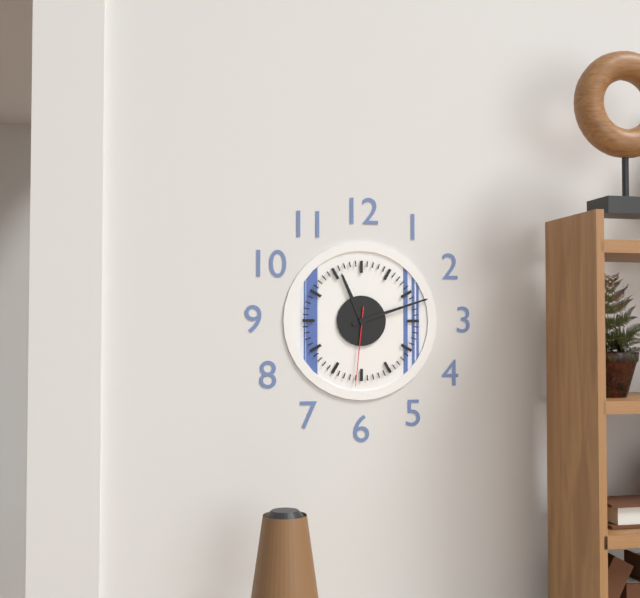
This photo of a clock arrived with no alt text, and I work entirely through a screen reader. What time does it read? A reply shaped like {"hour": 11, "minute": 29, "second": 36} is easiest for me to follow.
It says {"hour": 11, "minute": 12, "second": 31}
